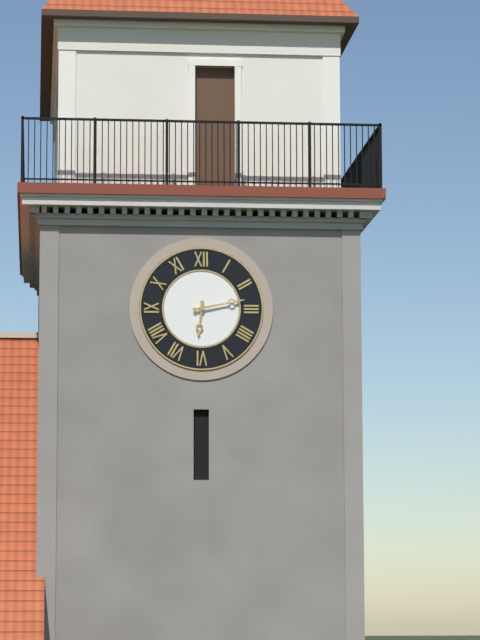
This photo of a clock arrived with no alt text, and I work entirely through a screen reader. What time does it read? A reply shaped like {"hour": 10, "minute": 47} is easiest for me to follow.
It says {"hour": 6, "minute": 13}
